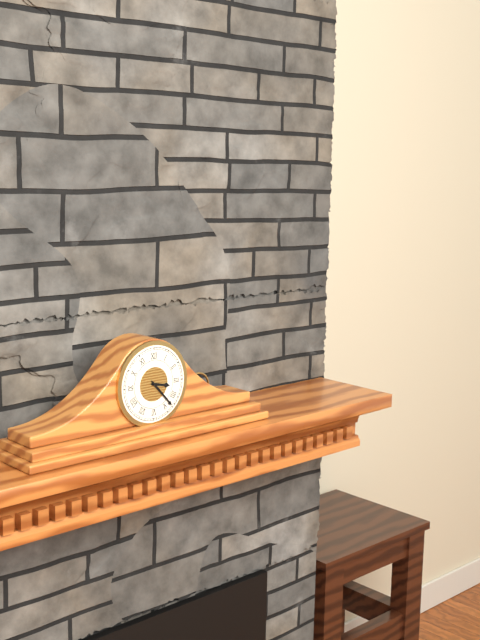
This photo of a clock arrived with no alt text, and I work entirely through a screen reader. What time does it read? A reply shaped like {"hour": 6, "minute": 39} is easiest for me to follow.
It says {"hour": 3, "minute": 23}
